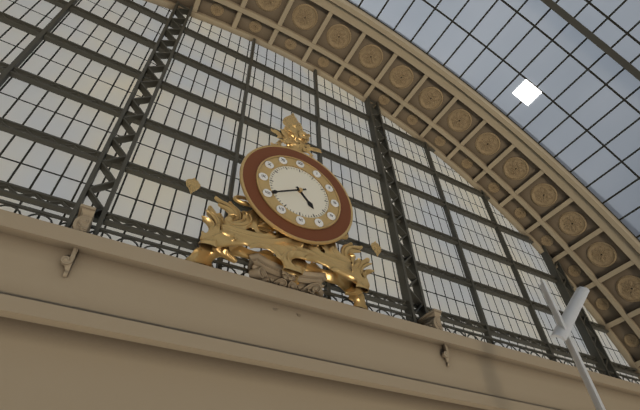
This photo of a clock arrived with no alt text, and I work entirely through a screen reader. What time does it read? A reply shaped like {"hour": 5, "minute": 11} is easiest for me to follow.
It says {"hour": 4, "minute": 40}
